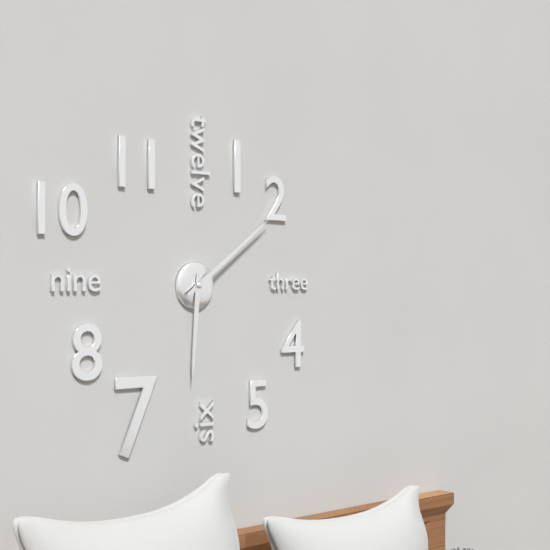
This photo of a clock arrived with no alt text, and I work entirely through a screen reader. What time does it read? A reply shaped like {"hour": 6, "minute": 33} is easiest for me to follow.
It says {"hour": 6, "minute": 9}
